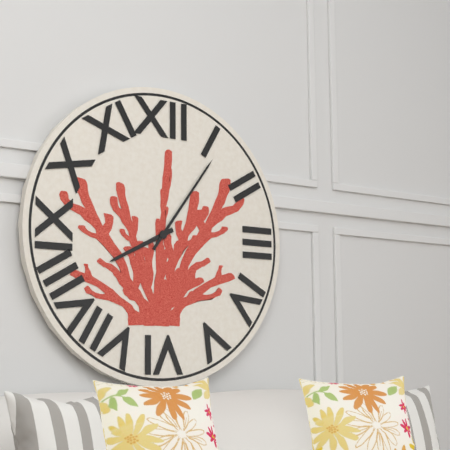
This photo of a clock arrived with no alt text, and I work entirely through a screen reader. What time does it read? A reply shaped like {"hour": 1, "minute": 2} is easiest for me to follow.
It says {"hour": 8, "minute": 6}
